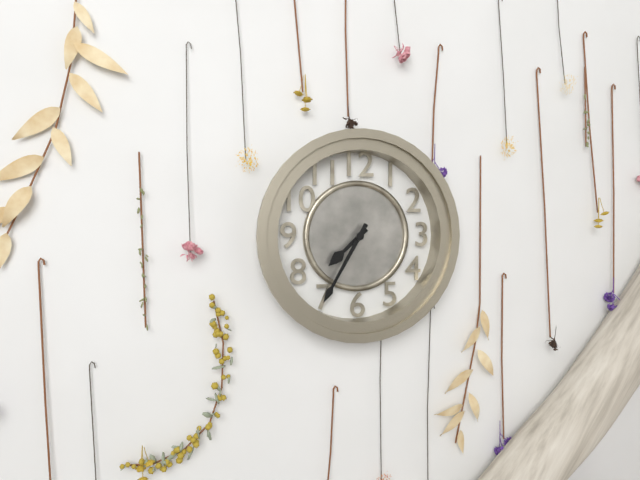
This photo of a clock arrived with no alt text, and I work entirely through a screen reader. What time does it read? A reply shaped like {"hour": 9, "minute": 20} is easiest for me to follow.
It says {"hour": 7, "minute": 35}
